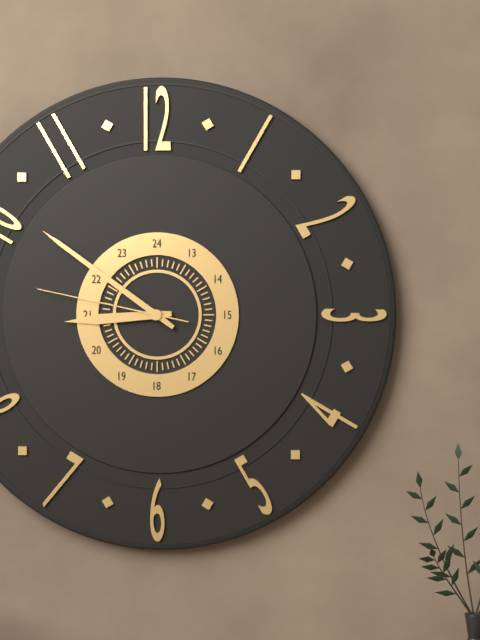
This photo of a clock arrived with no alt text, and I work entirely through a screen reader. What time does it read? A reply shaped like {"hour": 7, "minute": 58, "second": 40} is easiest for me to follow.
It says {"hour": 8, "minute": 51, "second": 47}
